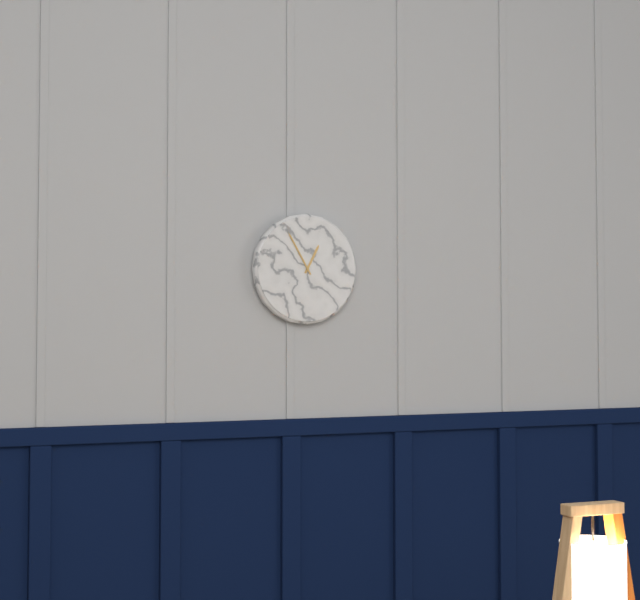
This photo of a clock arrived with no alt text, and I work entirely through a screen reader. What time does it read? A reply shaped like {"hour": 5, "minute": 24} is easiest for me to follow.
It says {"hour": 12, "minute": 55}
